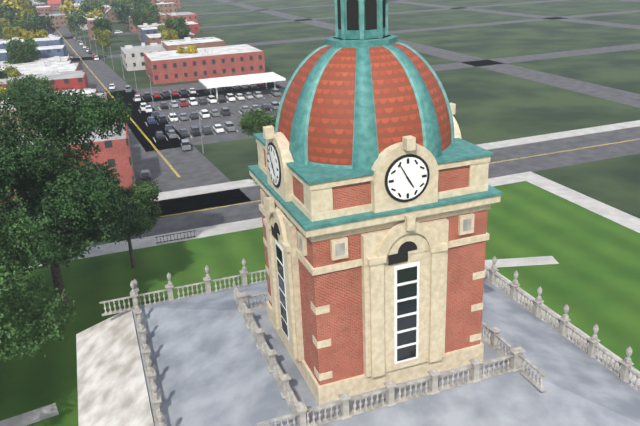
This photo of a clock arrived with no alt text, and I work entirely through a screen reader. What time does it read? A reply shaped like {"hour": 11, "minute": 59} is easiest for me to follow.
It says {"hour": 4, "minute": 55}
